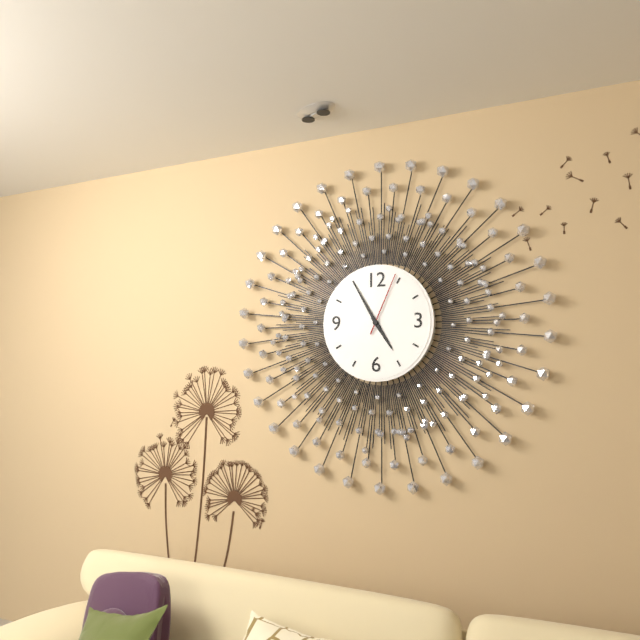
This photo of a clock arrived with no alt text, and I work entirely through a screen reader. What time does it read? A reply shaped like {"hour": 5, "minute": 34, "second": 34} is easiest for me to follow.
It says {"hour": 4, "minute": 55, "second": 4}
